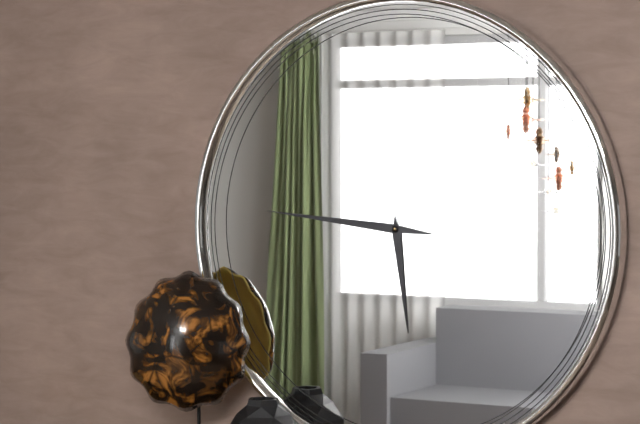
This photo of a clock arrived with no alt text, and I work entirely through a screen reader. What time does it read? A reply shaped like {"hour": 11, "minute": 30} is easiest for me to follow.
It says {"hour": 5, "minute": 46}
